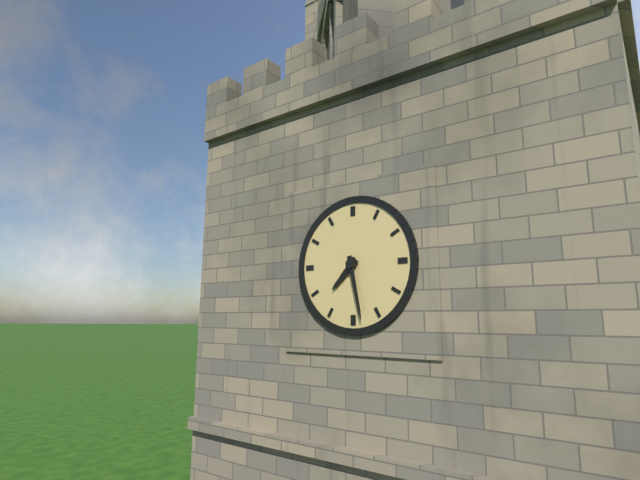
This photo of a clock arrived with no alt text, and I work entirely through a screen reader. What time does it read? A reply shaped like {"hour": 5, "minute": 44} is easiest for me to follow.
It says {"hour": 7, "minute": 28}
